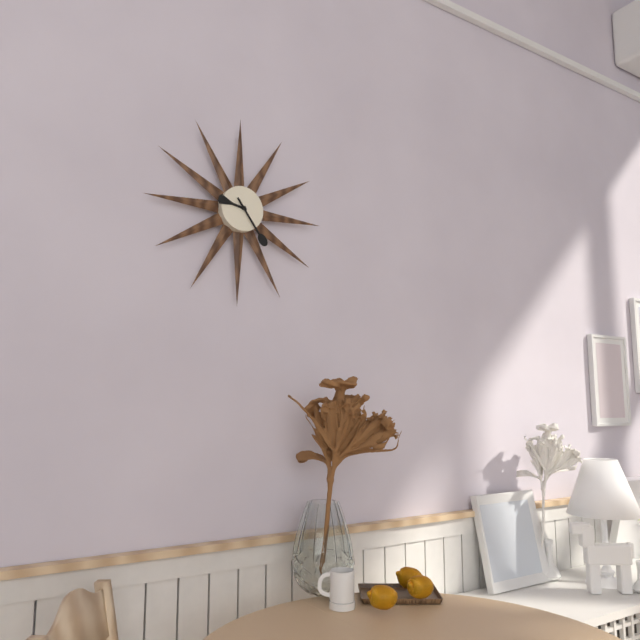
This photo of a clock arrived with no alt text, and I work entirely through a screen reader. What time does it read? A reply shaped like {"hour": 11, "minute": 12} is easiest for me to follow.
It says {"hour": 9, "minute": 24}
